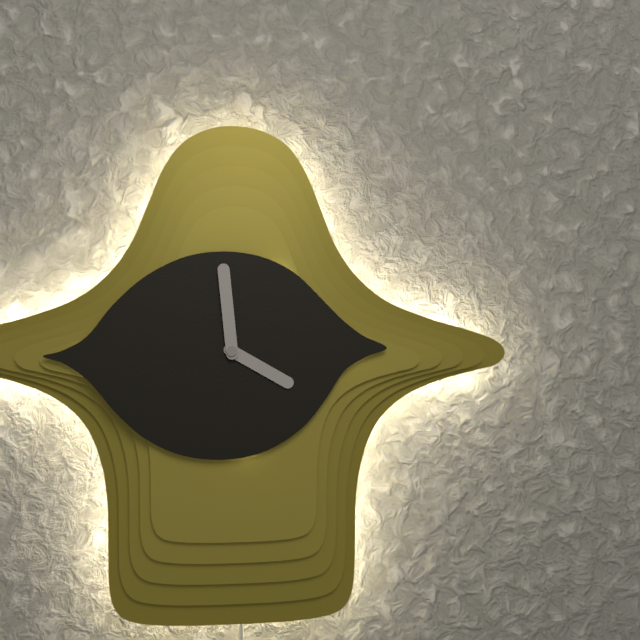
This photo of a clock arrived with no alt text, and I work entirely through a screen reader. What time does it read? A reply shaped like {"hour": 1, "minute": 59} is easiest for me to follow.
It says {"hour": 3, "minute": 59}
